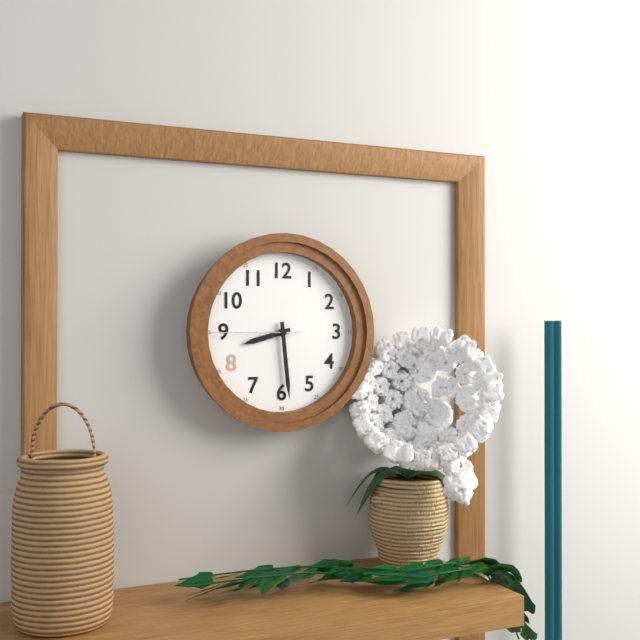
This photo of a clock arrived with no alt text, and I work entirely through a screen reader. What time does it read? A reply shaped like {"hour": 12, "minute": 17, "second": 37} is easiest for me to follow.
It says {"hour": 8, "minute": 29, "second": 45}
